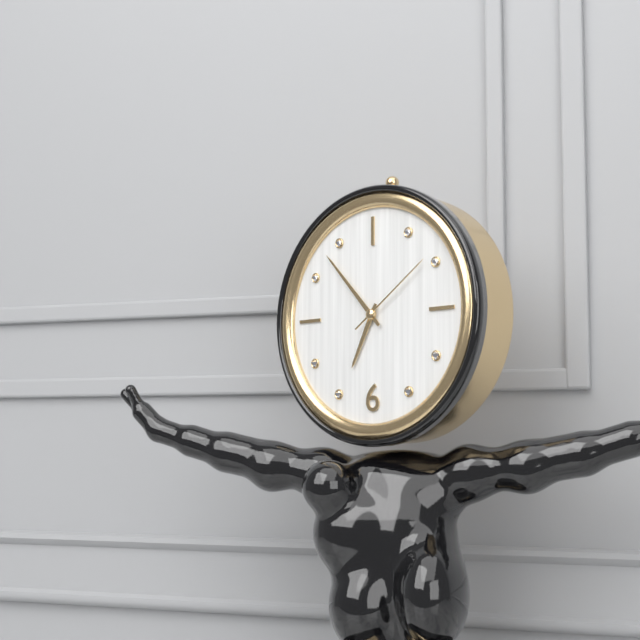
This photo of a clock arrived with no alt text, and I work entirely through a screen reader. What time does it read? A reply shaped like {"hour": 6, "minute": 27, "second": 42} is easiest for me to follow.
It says {"hour": 6, "minute": 53, "second": 9}
